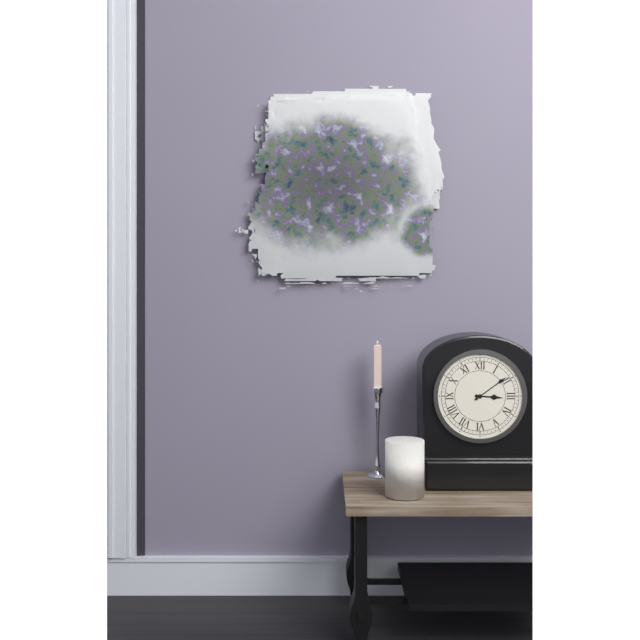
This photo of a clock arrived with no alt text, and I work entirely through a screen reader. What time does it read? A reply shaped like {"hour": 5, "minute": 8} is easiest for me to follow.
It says {"hour": 3, "minute": 9}
